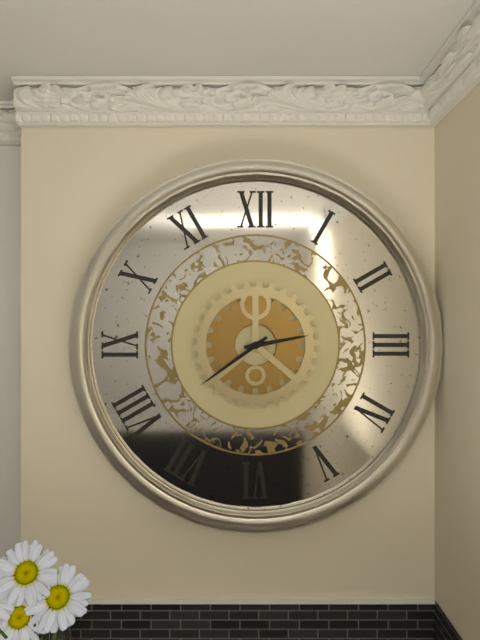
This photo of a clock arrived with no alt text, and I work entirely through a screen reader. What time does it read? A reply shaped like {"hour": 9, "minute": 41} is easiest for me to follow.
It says {"hour": 2, "minute": 39}
